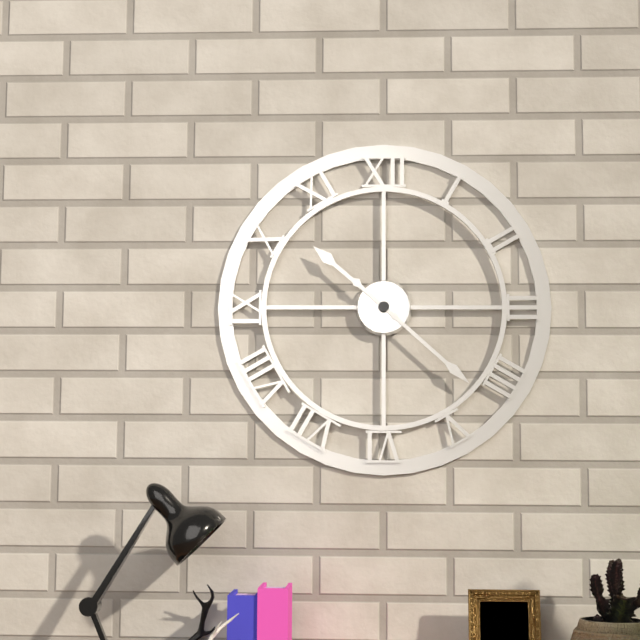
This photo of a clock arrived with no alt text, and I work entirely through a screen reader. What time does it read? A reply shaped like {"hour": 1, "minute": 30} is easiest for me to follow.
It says {"hour": 10, "minute": 22}
